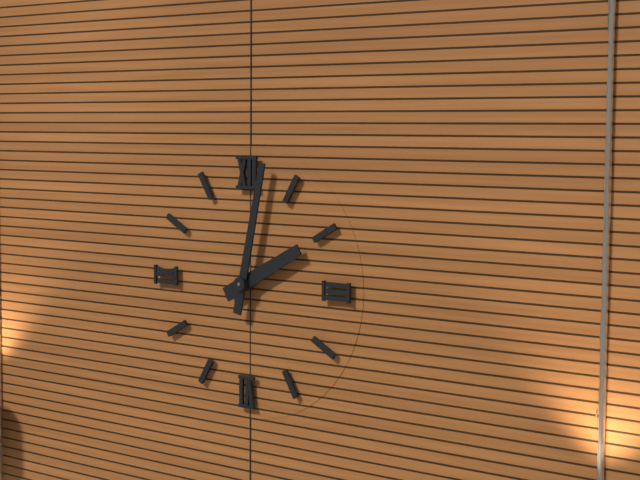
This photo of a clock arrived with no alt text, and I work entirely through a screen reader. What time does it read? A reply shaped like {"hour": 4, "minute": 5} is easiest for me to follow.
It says {"hour": 2, "minute": 2}
